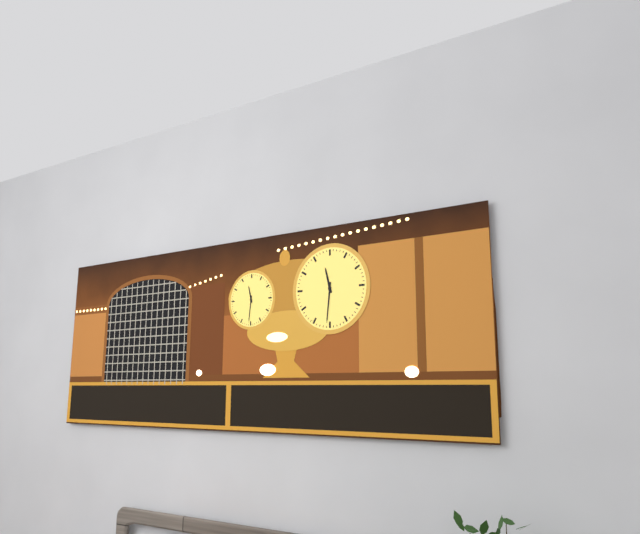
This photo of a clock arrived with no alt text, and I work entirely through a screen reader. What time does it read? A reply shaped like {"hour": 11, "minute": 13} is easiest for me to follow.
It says {"hour": 11, "minute": 31}
